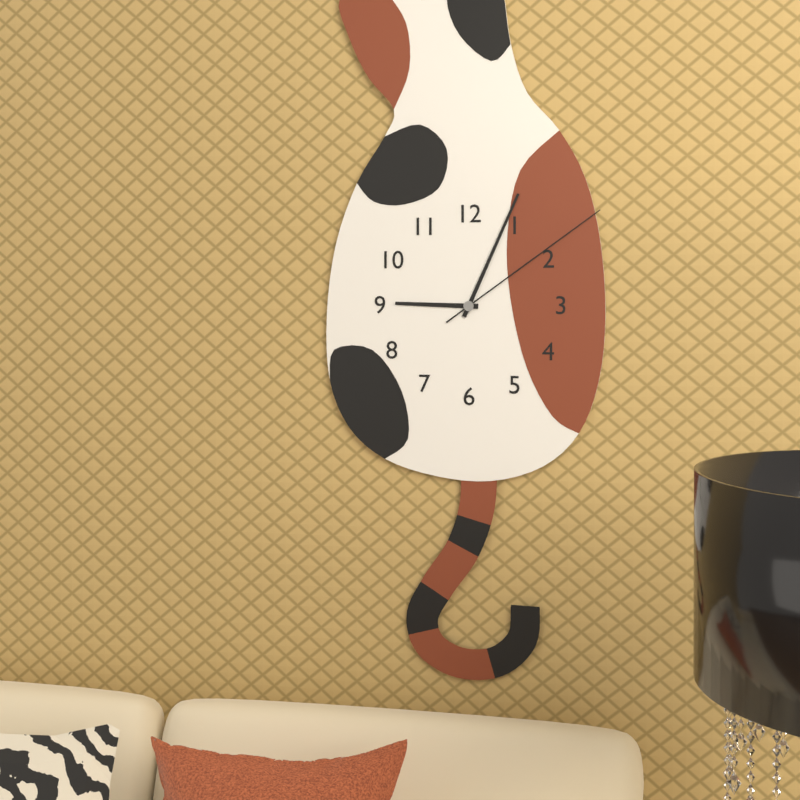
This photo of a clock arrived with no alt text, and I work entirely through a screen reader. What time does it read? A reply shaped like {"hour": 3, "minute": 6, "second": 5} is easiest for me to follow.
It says {"hour": 9, "minute": 4, "second": 9}
